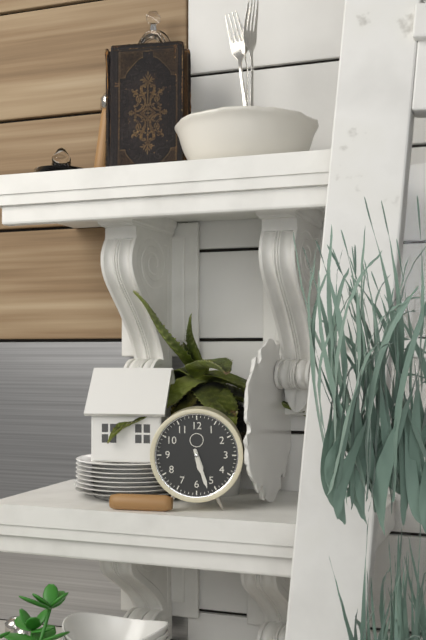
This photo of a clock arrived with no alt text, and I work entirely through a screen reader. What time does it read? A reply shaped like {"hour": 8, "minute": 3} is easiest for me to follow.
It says {"hour": 5, "minute": 27}
